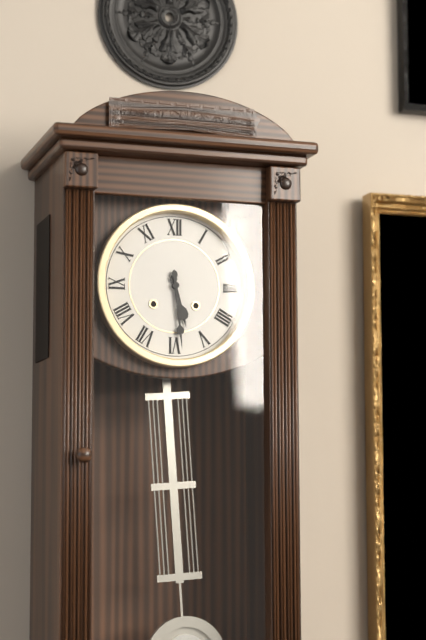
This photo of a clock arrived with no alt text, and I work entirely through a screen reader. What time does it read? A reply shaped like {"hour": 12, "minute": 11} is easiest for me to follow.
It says {"hour": 5, "minute": 29}
